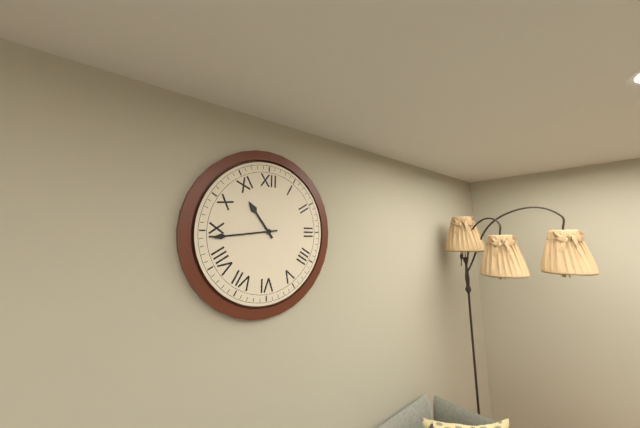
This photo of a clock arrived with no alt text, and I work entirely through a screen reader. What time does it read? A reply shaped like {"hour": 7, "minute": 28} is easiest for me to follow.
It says {"hour": 10, "minute": 44}
